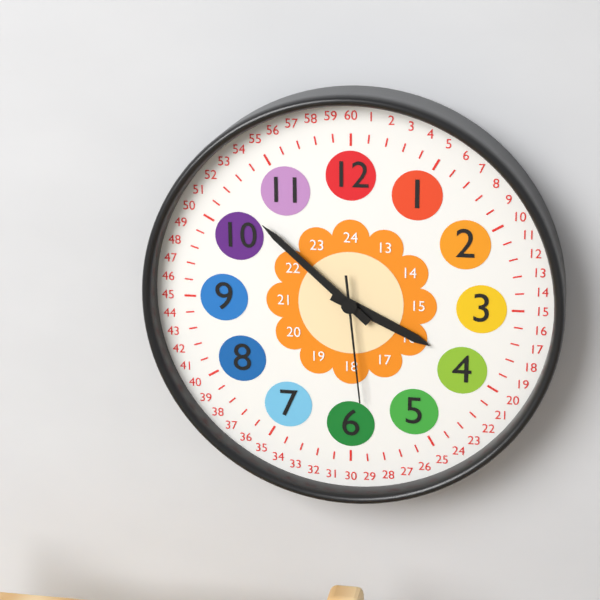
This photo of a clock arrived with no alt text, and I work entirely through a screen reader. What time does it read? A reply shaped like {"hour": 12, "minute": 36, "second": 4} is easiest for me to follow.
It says {"hour": 3, "minute": 52, "second": 29}
